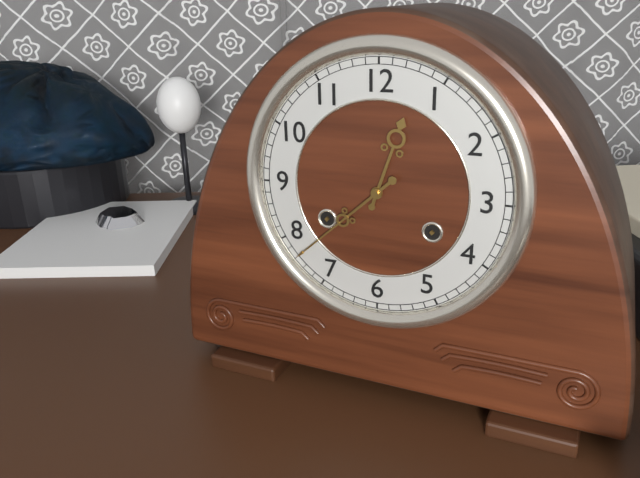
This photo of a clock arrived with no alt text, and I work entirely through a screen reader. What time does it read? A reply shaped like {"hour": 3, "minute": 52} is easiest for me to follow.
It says {"hour": 12, "minute": 38}
